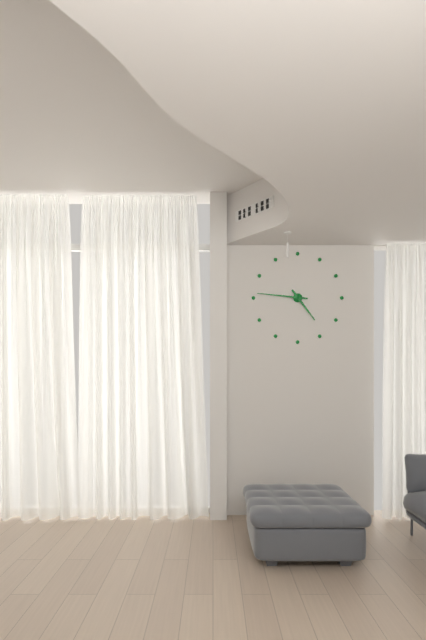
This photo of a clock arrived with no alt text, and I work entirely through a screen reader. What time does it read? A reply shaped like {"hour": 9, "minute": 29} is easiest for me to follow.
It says {"hour": 4, "minute": 46}
